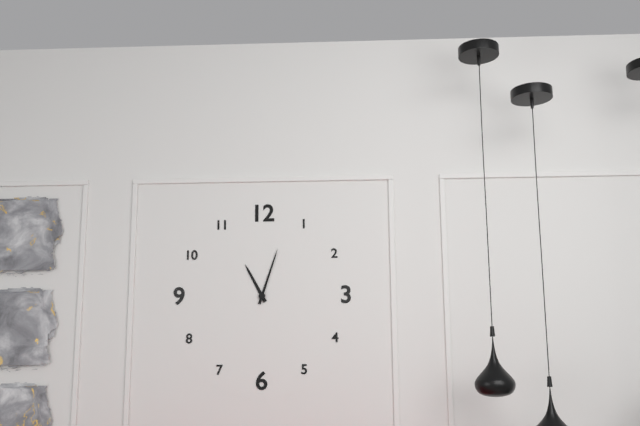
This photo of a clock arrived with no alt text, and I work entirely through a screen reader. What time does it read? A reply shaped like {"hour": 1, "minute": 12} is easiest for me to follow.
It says {"hour": 11, "minute": 3}
